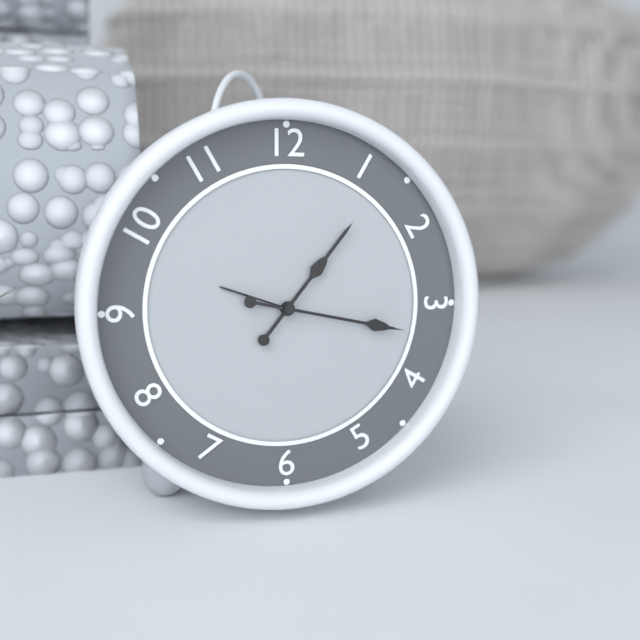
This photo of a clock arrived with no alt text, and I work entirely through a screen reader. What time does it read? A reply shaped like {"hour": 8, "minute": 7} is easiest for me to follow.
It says {"hour": 1, "minute": 17}
